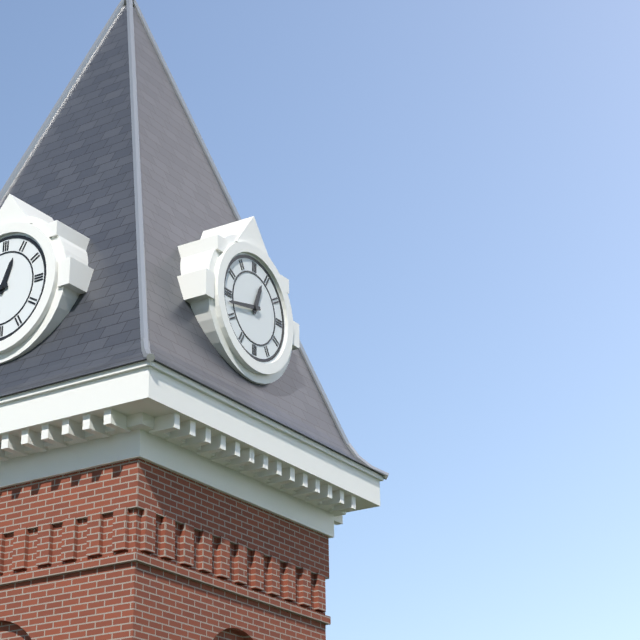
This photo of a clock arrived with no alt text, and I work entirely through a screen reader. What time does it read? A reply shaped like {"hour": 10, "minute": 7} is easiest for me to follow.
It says {"hour": 12, "minute": 43}
